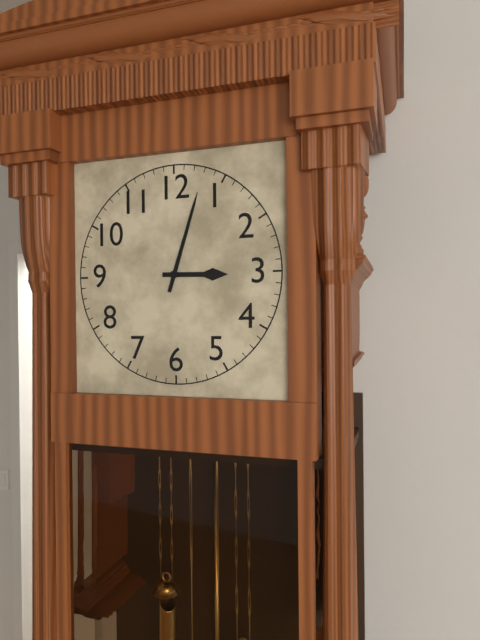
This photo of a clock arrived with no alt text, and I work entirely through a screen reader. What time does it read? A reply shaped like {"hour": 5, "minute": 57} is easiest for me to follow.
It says {"hour": 3, "minute": 3}
